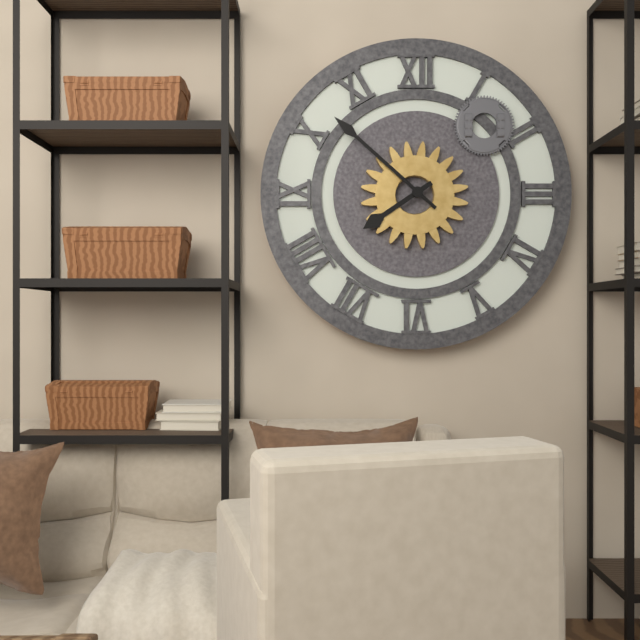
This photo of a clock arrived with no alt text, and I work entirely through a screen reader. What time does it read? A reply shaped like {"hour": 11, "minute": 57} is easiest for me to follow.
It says {"hour": 7, "minute": 52}
